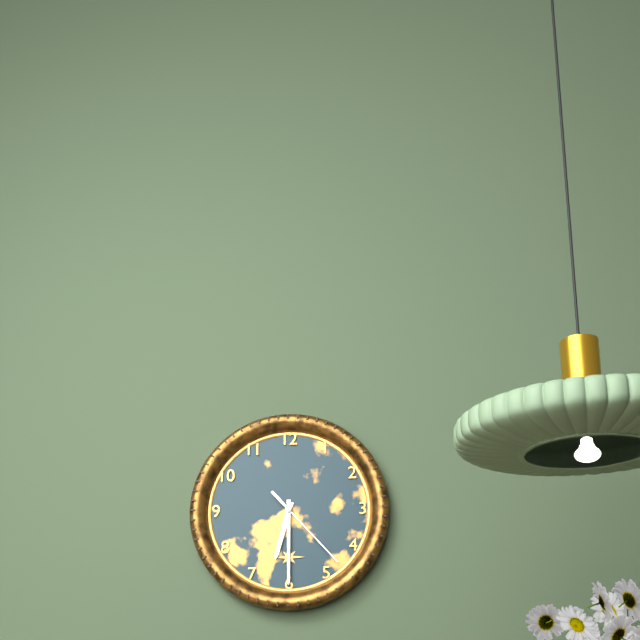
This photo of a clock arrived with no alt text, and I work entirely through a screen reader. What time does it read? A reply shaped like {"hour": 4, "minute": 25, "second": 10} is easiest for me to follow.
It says {"hour": 6, "minute": 30, "second": 23}
